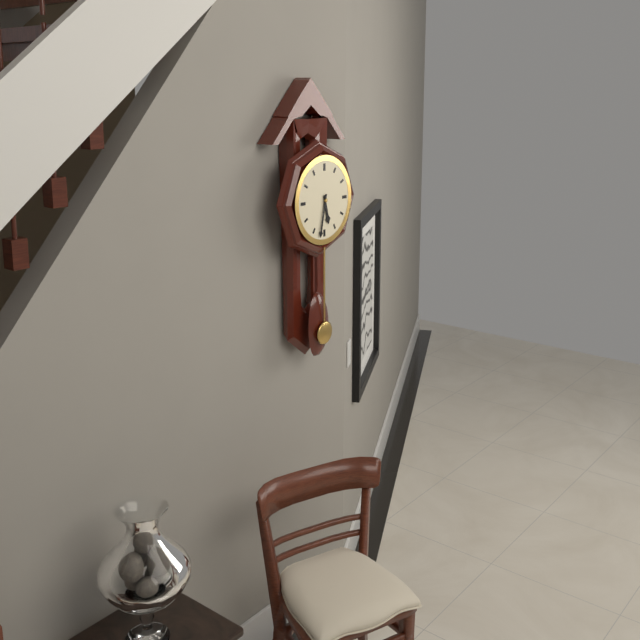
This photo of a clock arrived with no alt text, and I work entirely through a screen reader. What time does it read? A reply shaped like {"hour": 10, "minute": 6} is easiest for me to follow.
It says {"hour": 5, "minute": 32}
